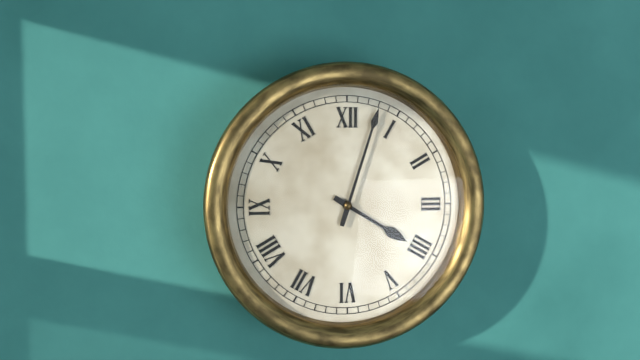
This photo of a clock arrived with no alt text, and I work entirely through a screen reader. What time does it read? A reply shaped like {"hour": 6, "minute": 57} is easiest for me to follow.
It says {"hour": 4, "minute": 3}
